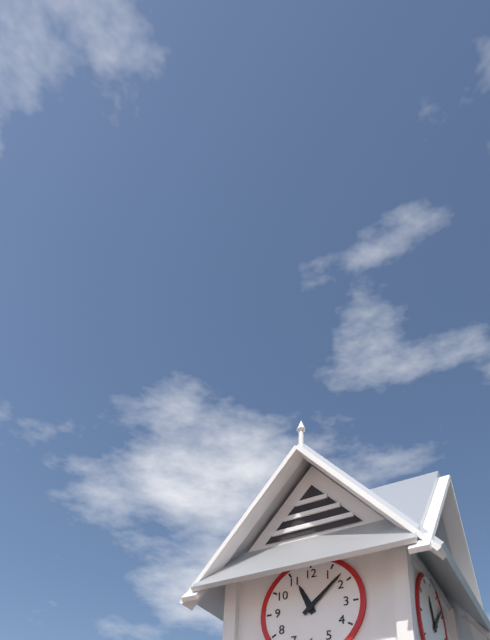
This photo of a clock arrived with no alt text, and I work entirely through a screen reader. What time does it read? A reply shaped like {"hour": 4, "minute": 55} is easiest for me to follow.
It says {"hour": 11, "minute": 8}
